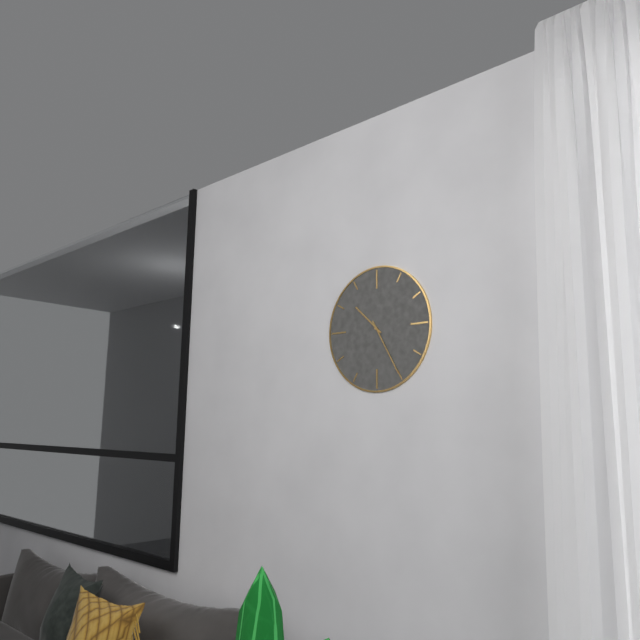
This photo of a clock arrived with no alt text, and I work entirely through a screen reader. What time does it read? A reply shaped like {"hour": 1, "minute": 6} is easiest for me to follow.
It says {"hour": 10, "minute": 25}
